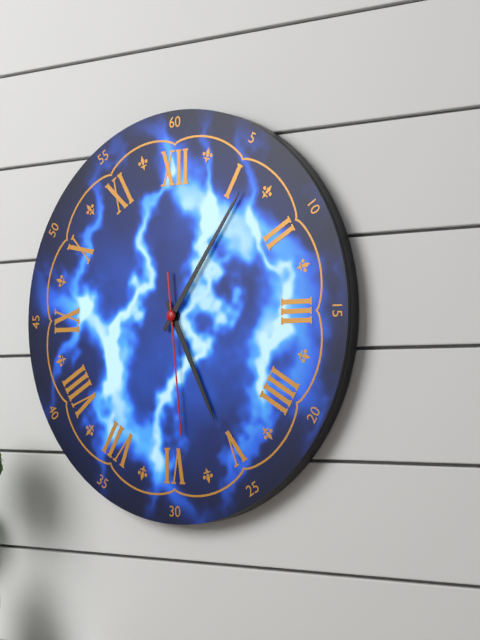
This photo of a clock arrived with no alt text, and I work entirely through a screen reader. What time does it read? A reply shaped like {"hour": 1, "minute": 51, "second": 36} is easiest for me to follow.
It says {"hour": 5, "minute": 6, "second": 29}
